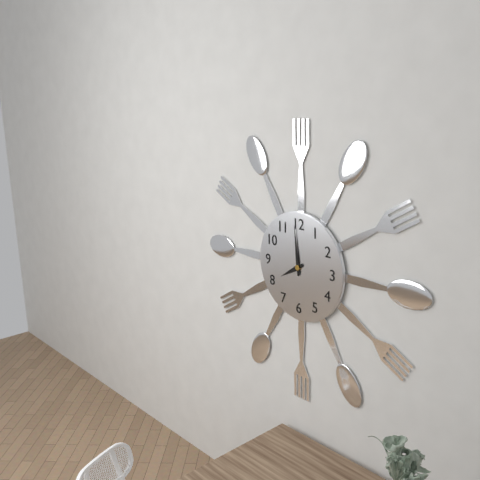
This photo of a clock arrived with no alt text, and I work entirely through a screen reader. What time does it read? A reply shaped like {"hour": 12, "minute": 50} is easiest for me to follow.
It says {"hour": 7, "minute": 59}
